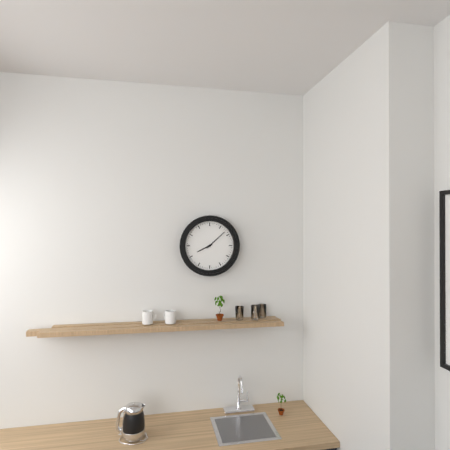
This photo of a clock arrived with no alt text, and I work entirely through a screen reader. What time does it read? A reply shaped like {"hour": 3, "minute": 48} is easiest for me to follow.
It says {"hour": 8, "minute": 8}
